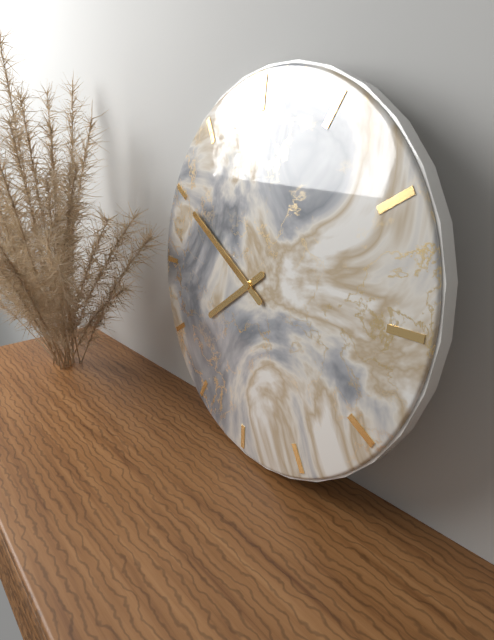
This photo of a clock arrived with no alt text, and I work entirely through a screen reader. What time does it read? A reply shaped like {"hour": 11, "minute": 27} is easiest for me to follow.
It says {"hour": 7, "minute": 50}
